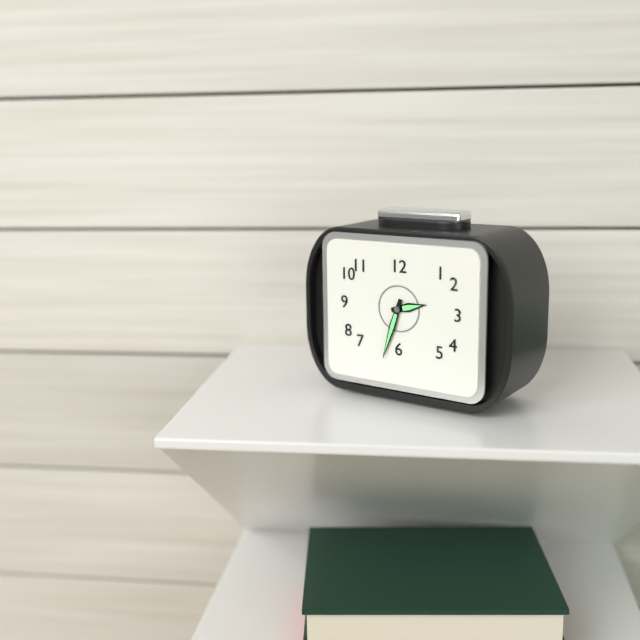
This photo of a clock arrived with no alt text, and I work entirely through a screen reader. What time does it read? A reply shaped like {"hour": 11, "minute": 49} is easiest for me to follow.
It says {"hour": 2, "minute": 33}
